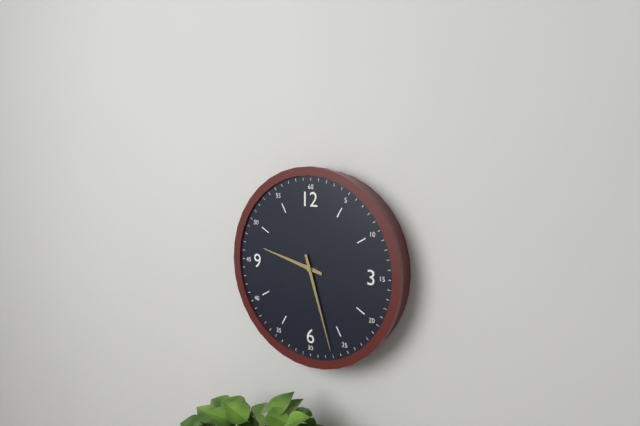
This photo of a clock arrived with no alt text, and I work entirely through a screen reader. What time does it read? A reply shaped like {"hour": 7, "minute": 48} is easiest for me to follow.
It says {"hour": 9, "minute": 27}
